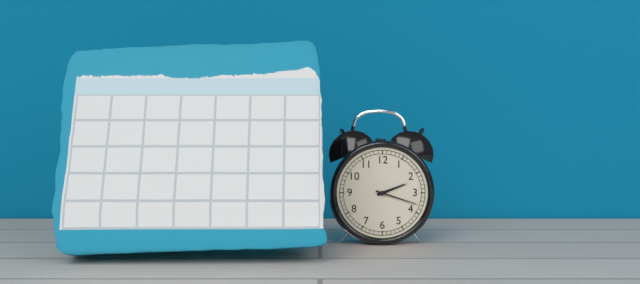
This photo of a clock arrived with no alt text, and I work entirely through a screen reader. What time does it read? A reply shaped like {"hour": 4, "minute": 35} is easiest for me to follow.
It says {"hour": 2, "minute": 18}
